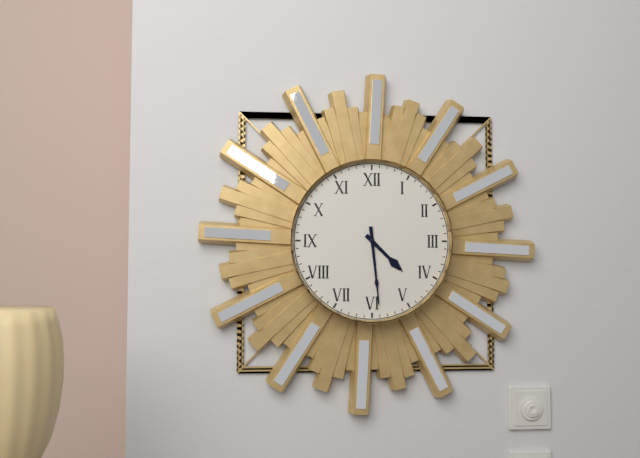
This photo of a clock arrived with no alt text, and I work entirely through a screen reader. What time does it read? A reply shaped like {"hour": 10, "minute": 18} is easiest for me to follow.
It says {"hour": 4, "minute": 29}
